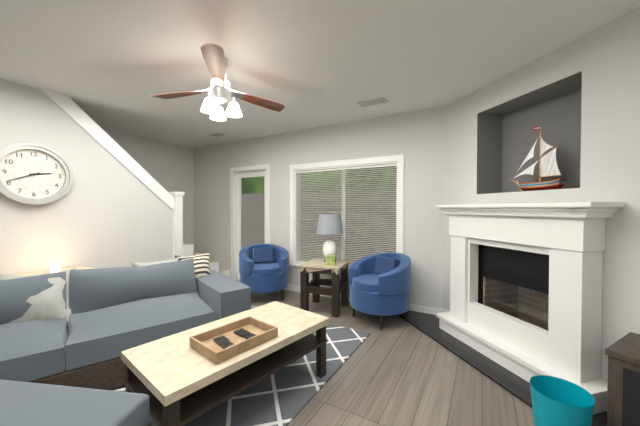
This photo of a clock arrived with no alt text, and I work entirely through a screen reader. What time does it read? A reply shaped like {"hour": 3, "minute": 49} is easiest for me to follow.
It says {"hour": 2, "minute": 41}
